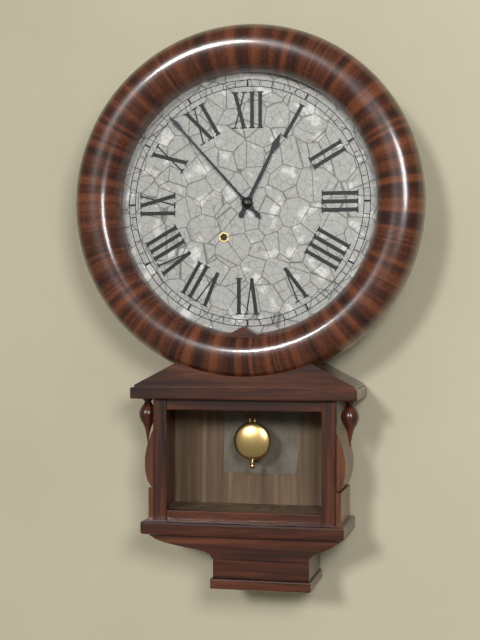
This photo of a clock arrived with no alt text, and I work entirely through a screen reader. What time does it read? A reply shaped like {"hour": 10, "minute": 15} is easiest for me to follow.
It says {"hour": 12, "minute": 53}
